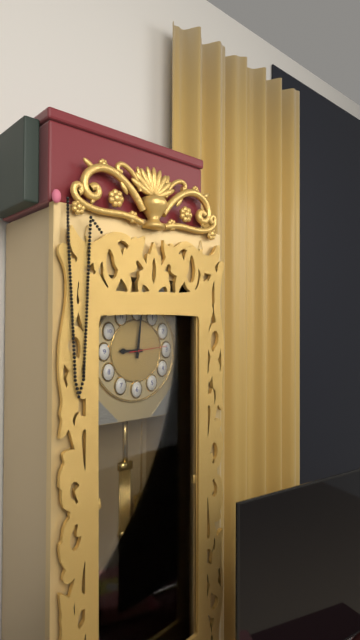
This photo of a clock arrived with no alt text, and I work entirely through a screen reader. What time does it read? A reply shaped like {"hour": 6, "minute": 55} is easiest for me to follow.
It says {"hour": 9, "minute": 1}
